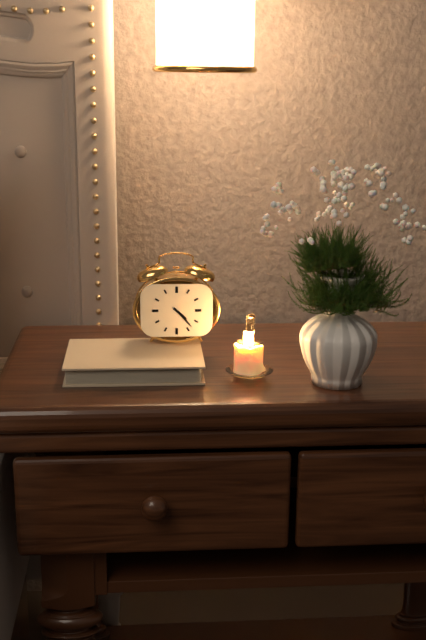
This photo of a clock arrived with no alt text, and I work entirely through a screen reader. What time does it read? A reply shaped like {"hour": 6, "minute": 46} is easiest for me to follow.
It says {"hour": 4, "minute": 23}
